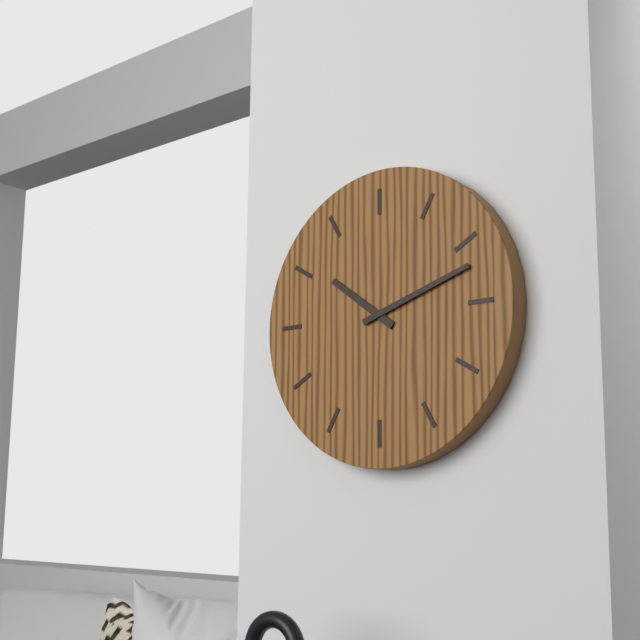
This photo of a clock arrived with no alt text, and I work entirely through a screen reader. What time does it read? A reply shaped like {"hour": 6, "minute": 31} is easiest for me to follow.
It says {"hour": 10, "minute": 12}
